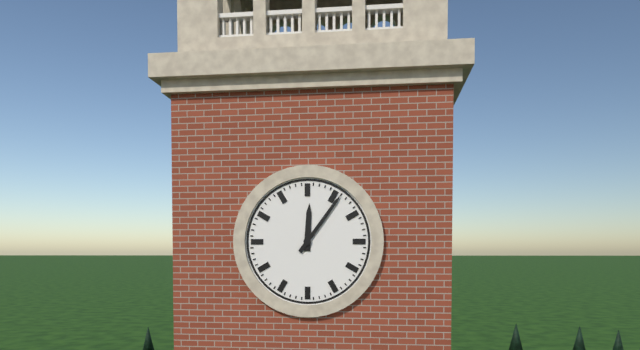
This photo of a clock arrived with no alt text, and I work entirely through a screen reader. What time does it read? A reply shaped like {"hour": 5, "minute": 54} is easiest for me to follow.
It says {"hour": 12, "minute": 6}
